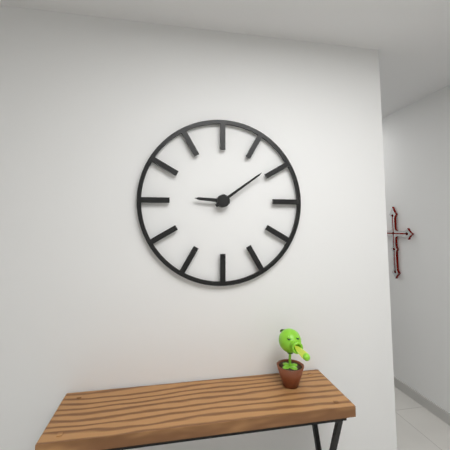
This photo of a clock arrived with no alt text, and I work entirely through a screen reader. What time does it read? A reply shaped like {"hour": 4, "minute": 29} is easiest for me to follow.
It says {"hour": 9, "minute": 9}
